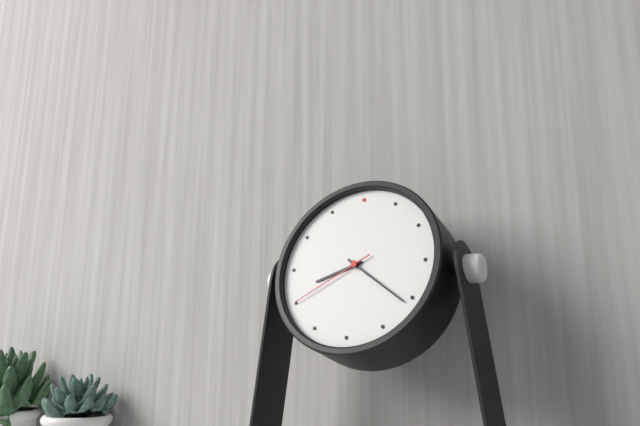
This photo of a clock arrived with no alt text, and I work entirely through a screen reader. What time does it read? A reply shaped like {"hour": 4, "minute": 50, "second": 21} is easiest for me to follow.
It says {"hour": 8, "minute": 21, "second": 40}
